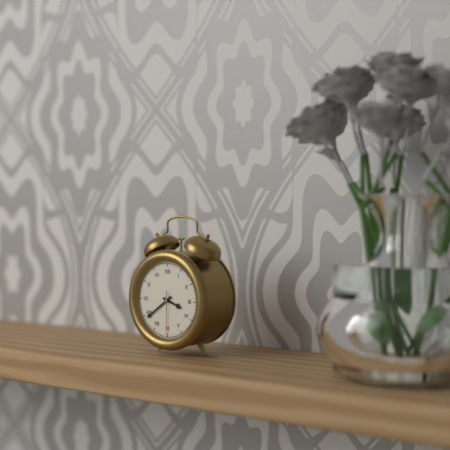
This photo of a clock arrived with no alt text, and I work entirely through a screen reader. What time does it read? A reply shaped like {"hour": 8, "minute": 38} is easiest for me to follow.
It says {"hour": 3, "minute": 39}
